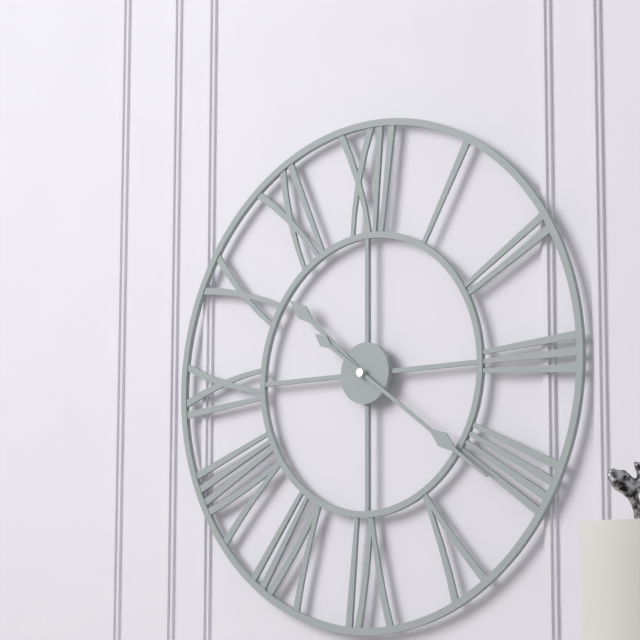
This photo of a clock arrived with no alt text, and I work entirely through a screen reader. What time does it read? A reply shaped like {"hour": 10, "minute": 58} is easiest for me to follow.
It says {"hour": 10, "minute": 21}
